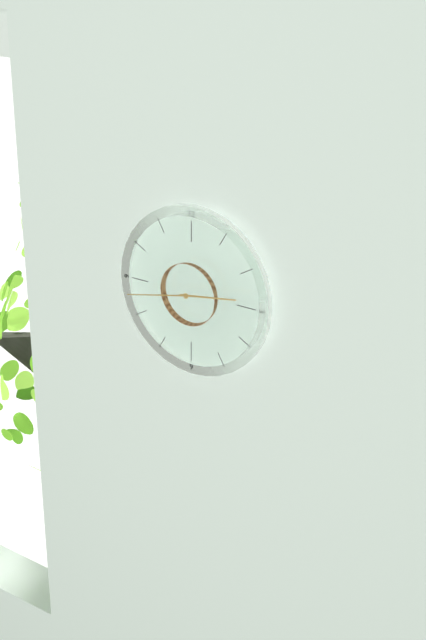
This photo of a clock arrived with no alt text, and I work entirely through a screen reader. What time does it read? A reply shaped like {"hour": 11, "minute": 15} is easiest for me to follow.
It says {"hour": 2, "minute": 43}
